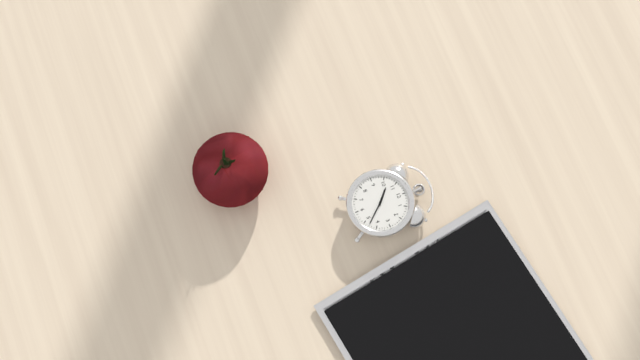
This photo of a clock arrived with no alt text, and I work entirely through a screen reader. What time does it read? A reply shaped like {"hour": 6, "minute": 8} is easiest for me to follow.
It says {"hour": 10, "minute": 23}
